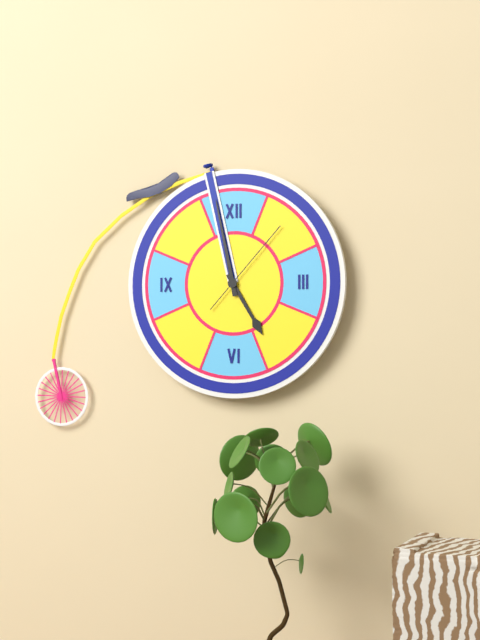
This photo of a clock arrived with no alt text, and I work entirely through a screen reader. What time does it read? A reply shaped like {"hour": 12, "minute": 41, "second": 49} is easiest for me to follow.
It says {"hour": 4, "minute": 58, "second": 7}
